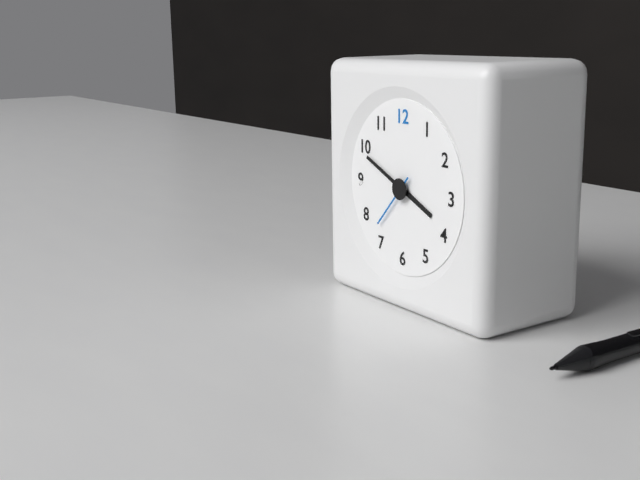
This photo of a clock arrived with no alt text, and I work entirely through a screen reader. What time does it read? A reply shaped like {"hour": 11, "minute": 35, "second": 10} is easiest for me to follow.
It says {"hour": 3, "minute": 49, "second": 37}
